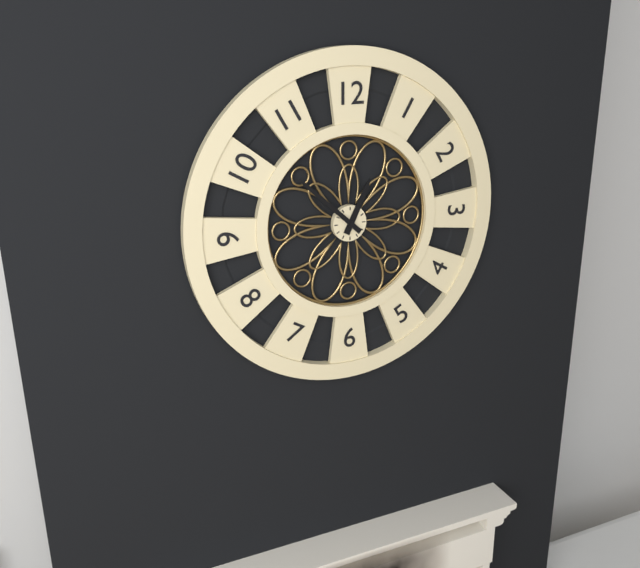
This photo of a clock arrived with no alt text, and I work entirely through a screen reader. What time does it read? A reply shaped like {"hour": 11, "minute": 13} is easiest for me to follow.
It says {"hour": 12, "minute": 52}
